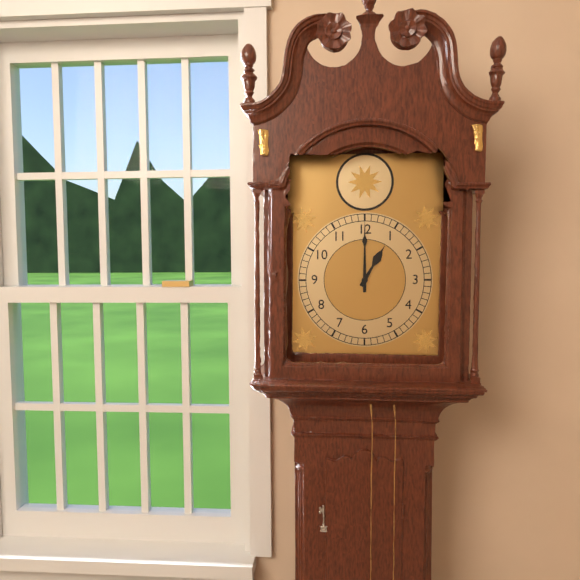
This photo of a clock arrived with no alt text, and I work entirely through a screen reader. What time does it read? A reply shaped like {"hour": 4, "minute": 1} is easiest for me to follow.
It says {"hour": 1, "minute": 0}
